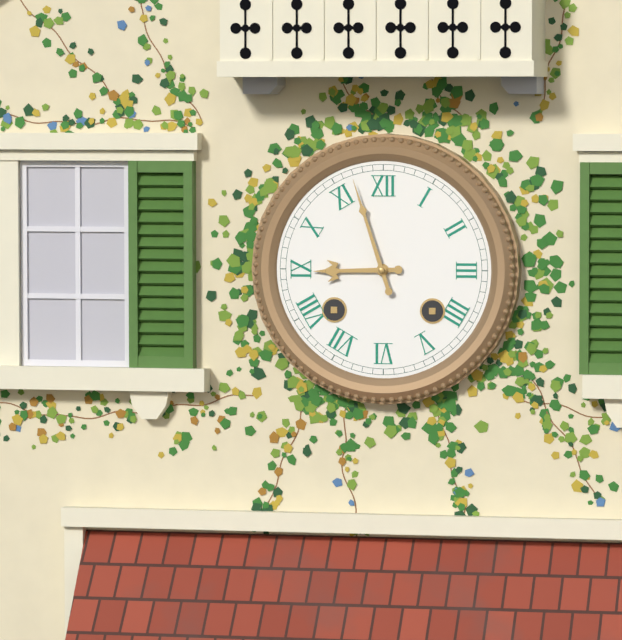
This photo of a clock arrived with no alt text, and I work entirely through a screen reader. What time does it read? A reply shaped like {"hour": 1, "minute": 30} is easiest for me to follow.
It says {"hour": 8, "minute": 57}
